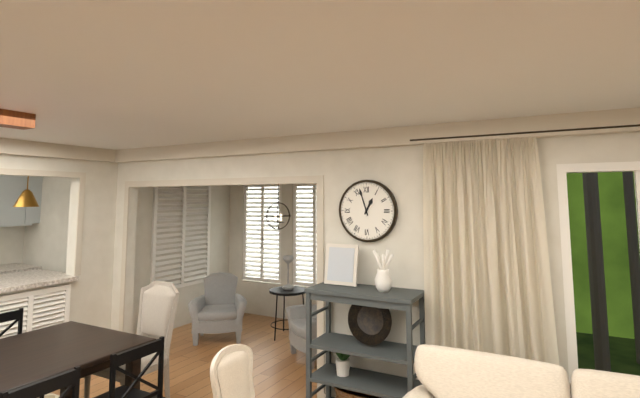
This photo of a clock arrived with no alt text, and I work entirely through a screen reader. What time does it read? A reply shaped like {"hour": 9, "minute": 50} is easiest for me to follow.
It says {"hour": 12, "minute": 57}
